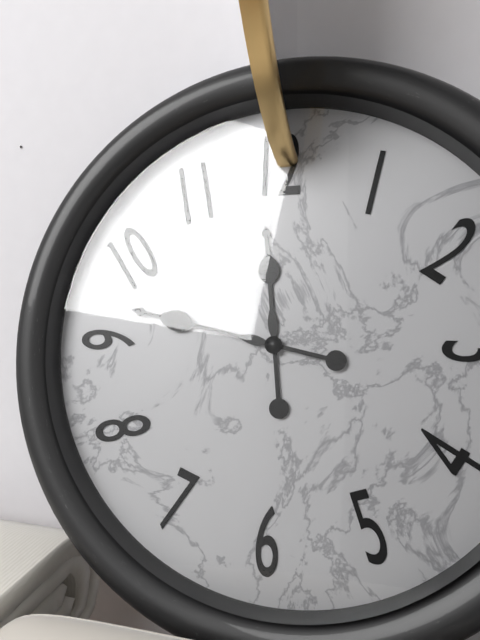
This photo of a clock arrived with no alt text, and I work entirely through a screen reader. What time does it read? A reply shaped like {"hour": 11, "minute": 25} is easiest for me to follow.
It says {"hour": 11, "minute": 47}
